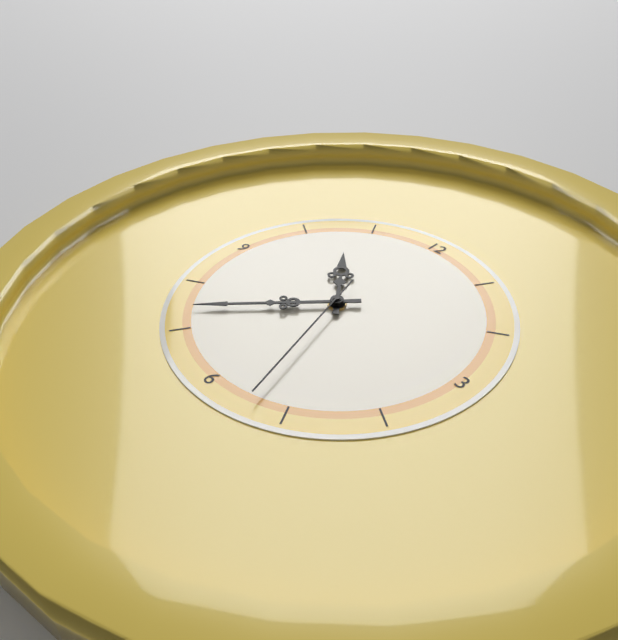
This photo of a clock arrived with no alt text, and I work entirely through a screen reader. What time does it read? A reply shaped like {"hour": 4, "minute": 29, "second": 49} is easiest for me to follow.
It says {"hour": 10, "minute": 37, "second": 27}
